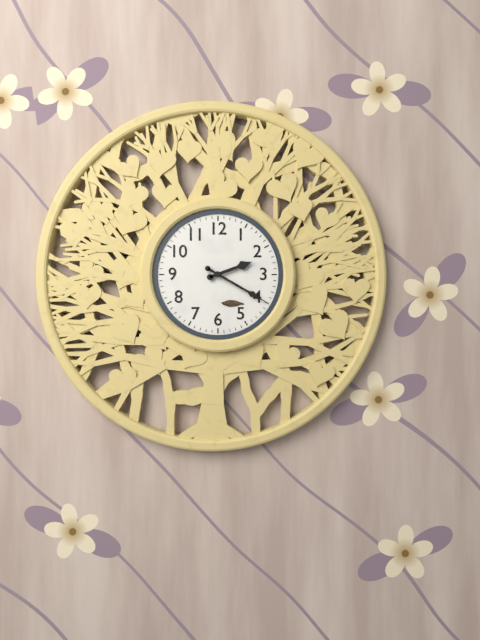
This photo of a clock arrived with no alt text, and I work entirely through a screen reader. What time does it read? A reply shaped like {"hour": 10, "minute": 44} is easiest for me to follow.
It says {"hour": 2, "minute": 20}
